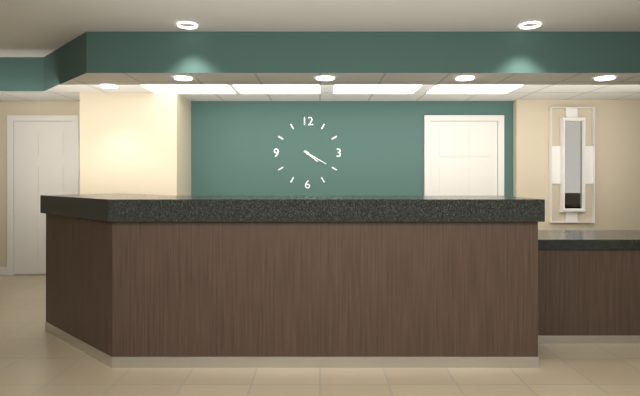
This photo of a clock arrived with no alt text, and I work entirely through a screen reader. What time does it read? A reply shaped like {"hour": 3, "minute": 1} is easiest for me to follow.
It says {"hour": 4, "minute": 20}
